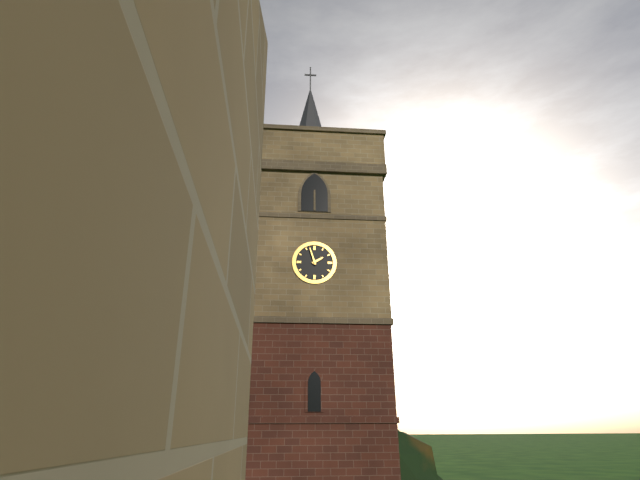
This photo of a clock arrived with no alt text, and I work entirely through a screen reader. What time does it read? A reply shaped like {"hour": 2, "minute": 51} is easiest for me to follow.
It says {"hour": 1, "minute": 57}
